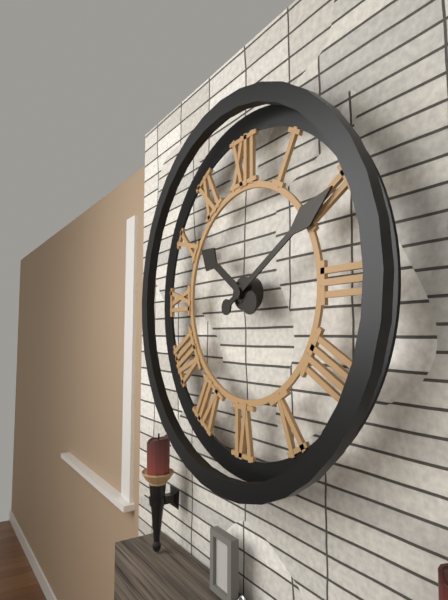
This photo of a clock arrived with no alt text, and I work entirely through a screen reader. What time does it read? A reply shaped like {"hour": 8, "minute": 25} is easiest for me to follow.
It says {"hour": 10, "minute": 10}
